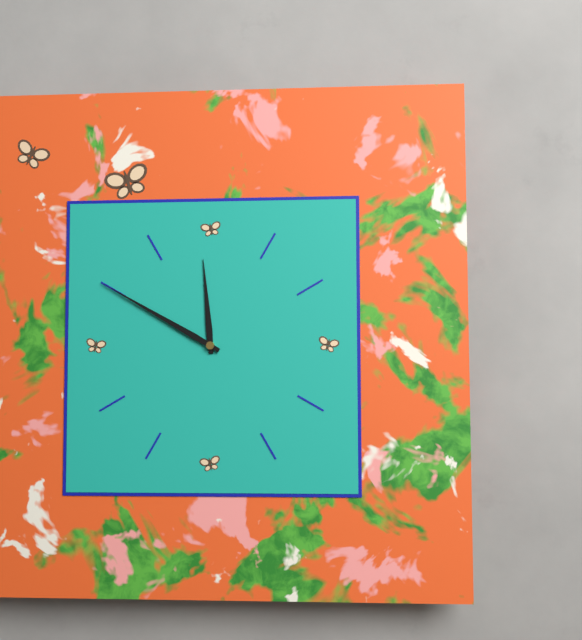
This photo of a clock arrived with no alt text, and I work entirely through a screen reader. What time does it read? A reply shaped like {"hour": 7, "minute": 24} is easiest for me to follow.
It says {"hour": 11, "minute": 50}
